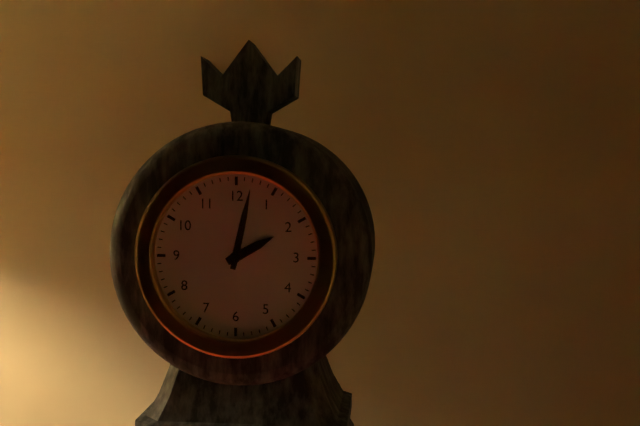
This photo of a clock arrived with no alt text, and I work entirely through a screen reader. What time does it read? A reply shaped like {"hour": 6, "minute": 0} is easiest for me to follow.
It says {"hour": 2, "minute": 2}
